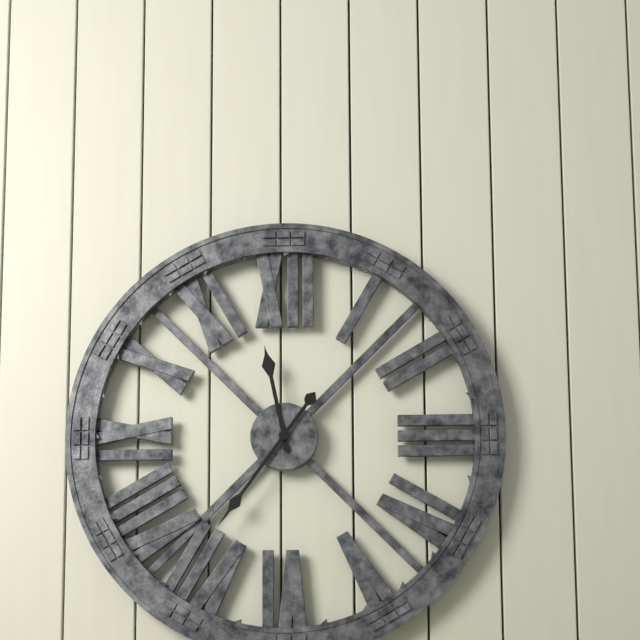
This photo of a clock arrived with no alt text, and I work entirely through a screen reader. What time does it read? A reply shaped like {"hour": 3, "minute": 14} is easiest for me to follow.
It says {"hour": 11, "minute": 36}
